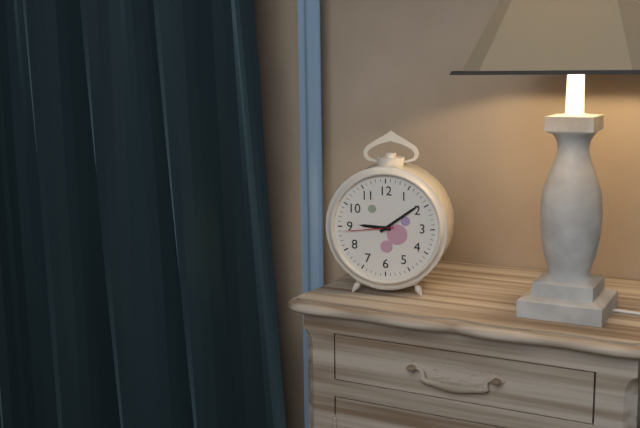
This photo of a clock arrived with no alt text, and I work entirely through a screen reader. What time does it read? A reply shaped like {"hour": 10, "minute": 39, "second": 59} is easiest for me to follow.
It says {"hour": 9, "minute": 9, "second": 44}
